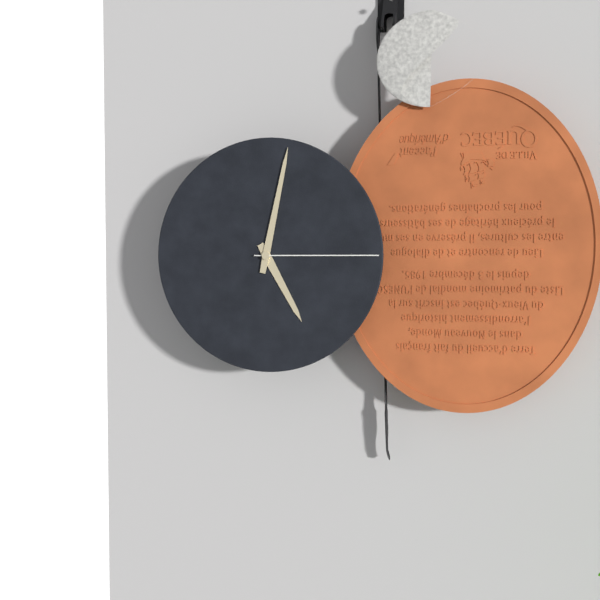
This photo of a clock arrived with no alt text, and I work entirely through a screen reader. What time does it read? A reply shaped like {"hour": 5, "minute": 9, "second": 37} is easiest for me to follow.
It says {"hour": 5, "minute": 2, "second": 15}
